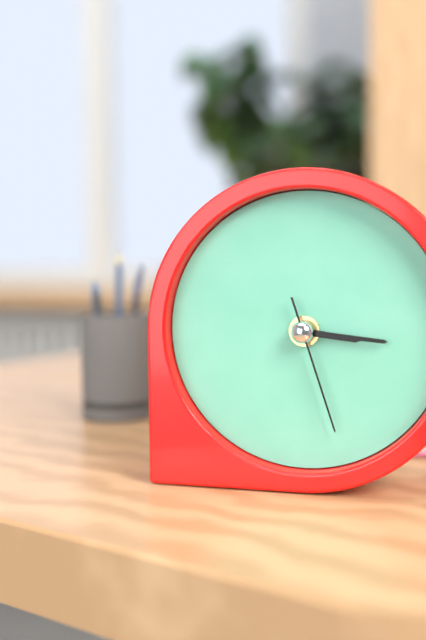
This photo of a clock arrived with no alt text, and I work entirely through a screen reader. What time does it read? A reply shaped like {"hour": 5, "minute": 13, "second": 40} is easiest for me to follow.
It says {"hour": 3, "minute": 16, "second": 27}
